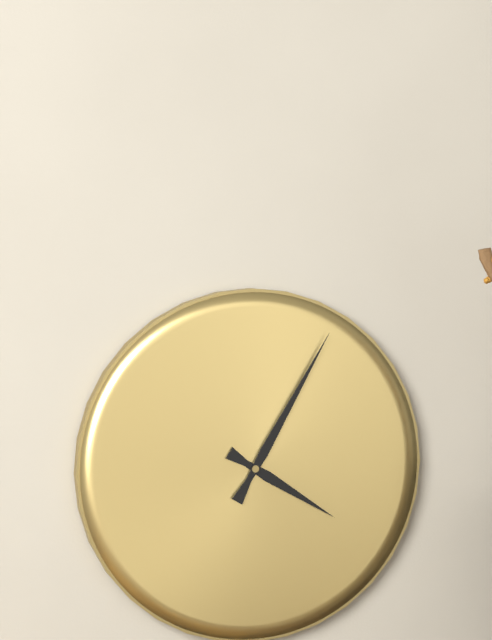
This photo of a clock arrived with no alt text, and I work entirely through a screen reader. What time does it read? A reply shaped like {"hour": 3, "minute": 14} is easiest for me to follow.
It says {"hour": 4, "minute": 5}
